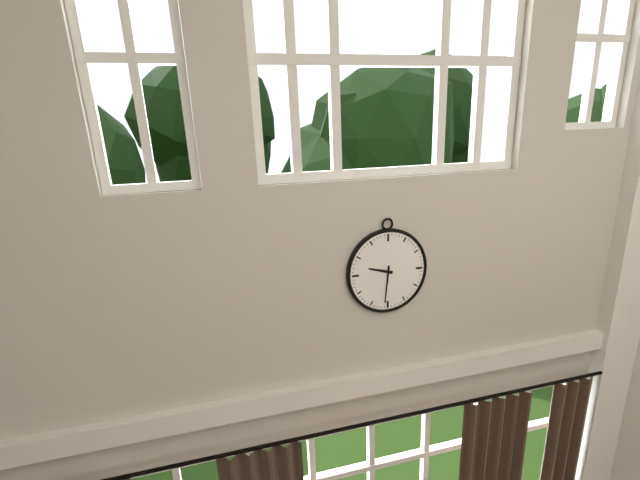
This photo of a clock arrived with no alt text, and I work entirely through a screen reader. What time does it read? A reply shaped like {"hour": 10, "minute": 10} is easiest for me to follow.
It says {"hour": 9, "minute": 31}
